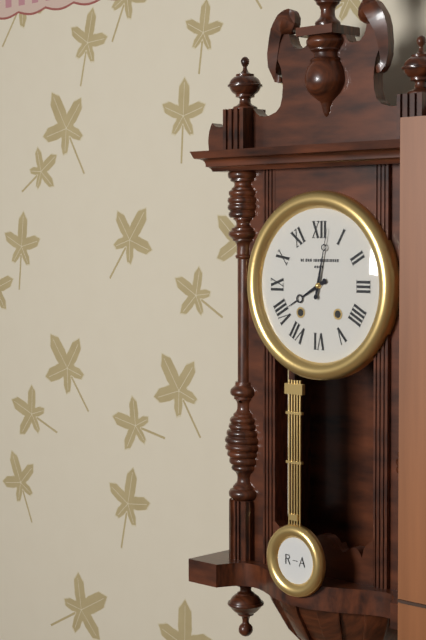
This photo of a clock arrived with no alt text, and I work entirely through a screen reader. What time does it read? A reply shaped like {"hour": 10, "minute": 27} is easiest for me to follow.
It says {"hour": 8, "minute": 2}
